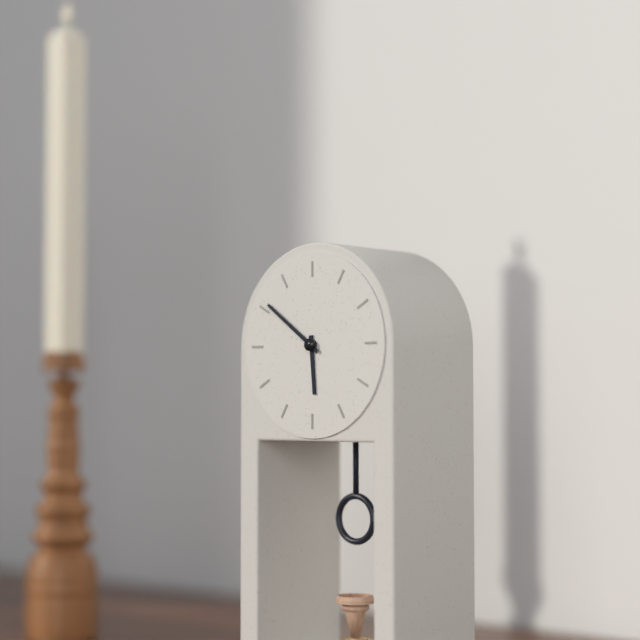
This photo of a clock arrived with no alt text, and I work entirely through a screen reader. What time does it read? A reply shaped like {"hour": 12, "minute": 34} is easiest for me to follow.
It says {"hour": 5, "minute": 51}
